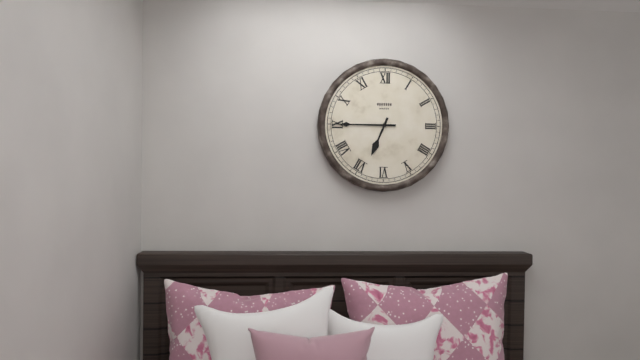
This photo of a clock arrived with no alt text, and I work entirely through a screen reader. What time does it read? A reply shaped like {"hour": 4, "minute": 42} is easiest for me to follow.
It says {"hour": 6, "minute": 45}
